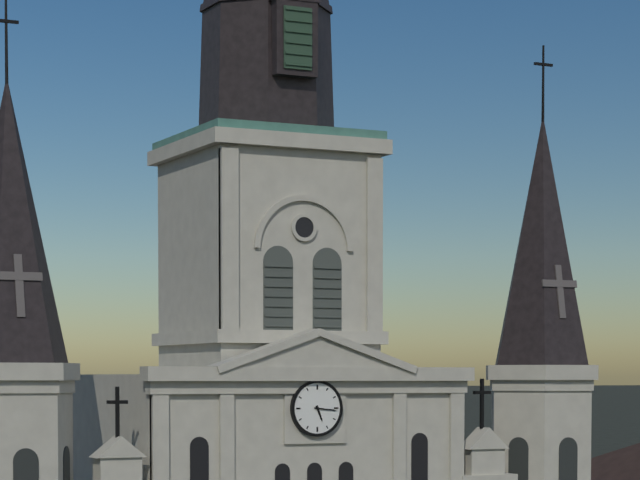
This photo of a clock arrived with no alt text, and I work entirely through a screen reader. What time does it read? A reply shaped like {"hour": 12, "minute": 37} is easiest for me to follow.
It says {"hour": 5, "minute": 16}
